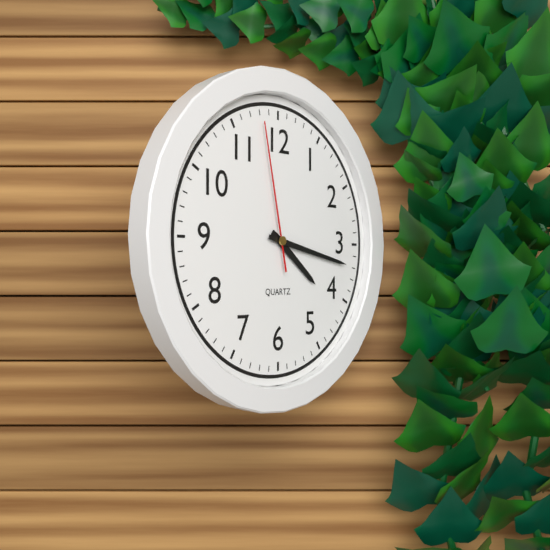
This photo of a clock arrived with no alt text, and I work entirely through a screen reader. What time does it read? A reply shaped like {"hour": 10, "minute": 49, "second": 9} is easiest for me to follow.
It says {"hour": 4, "minute": 17, "second": 58}
